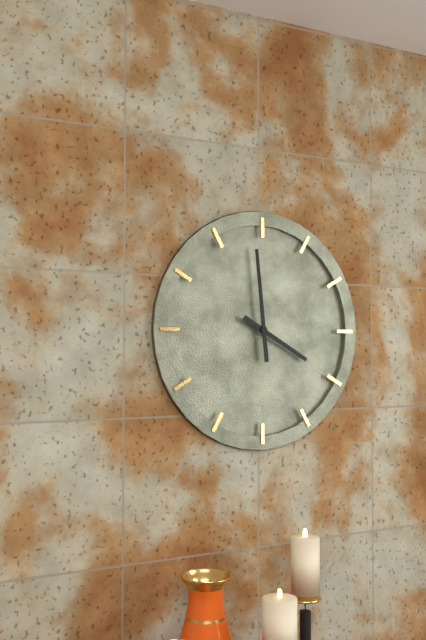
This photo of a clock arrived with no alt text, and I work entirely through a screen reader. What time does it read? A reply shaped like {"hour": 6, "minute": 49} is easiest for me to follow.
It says {"hour": 3, "minute": 59}
